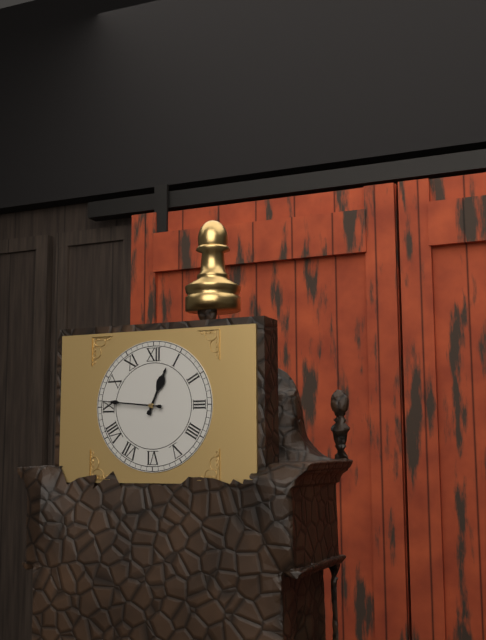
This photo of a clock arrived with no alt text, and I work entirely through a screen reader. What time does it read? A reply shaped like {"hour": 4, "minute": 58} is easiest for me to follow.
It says {"hour": 12, "minute": 46}
